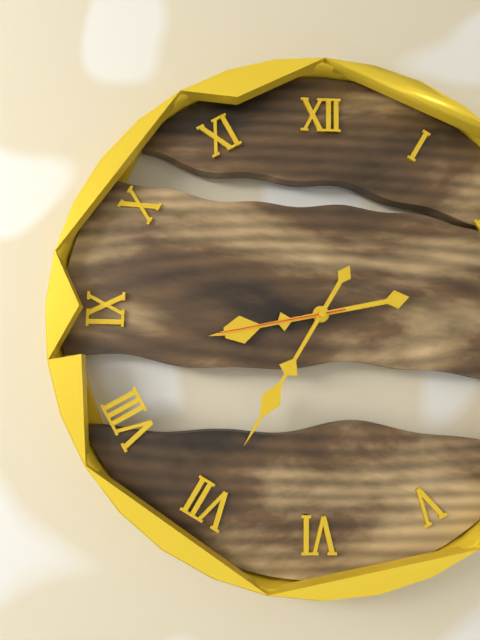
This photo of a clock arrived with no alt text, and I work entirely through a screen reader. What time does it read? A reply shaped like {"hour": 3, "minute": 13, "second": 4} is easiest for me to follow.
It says {"hour": 8, "minute": 35, "second": 43}
